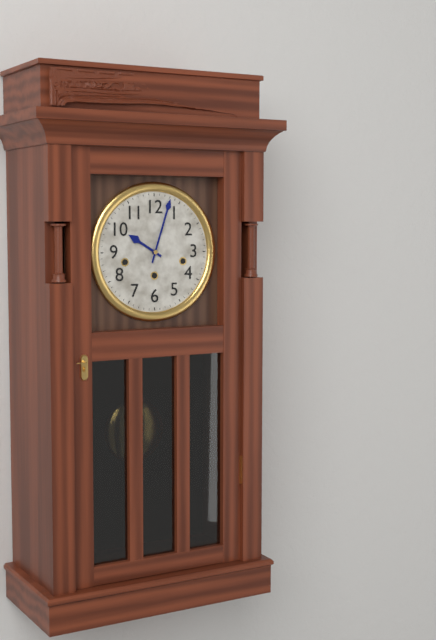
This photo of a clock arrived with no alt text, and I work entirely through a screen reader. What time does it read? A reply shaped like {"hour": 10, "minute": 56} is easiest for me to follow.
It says {"hour": 10, "minute": 3}
